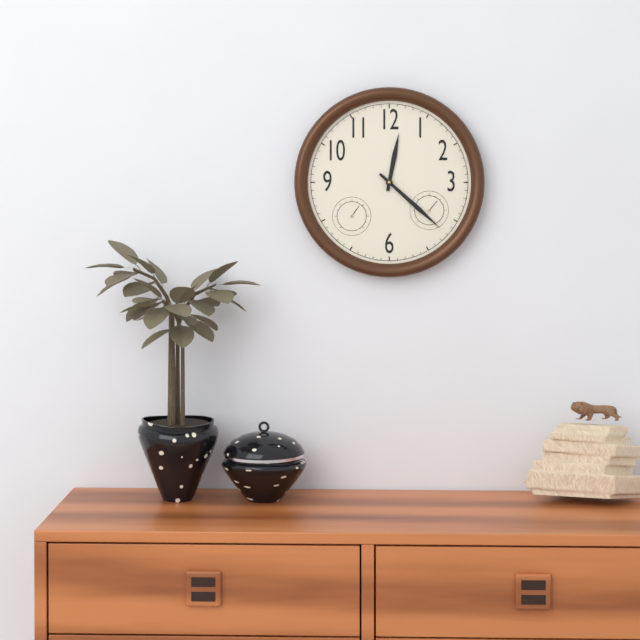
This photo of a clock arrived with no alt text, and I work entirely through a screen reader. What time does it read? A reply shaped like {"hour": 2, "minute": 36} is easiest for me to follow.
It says {"hour": 12, "minute": 22}
